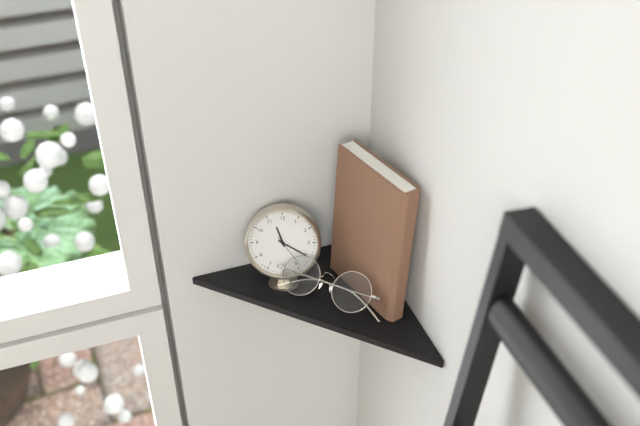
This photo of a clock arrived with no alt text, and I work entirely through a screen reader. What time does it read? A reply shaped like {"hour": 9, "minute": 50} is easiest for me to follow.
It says {"hour": 11, "minute": 20}
